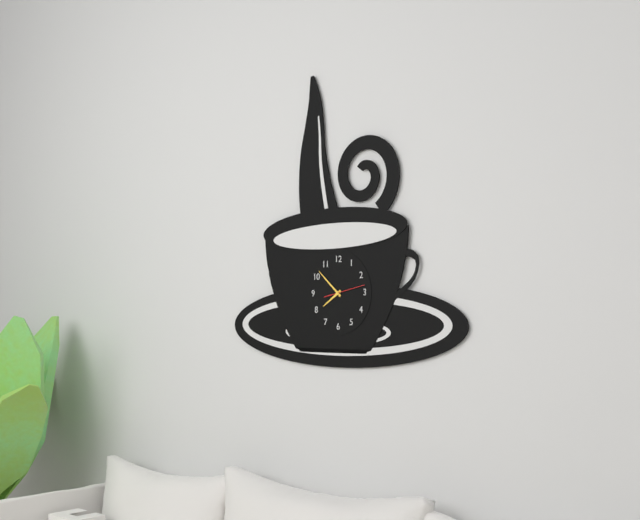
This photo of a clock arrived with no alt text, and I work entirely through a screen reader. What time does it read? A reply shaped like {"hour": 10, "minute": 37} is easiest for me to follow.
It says {"hour": 7, "minute": 52}
